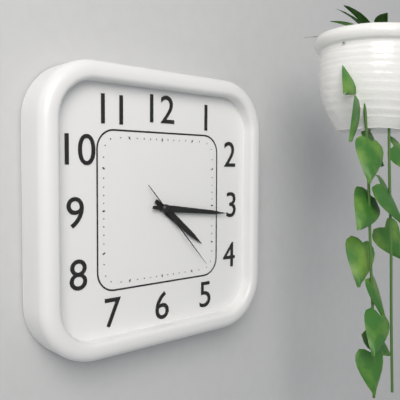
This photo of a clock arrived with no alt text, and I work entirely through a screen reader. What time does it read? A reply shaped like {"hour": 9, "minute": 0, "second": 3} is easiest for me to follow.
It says {"hour": 4, "minute": 16, "second": 23}
